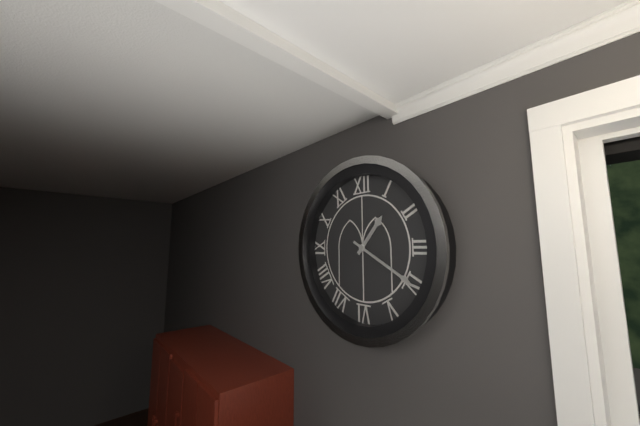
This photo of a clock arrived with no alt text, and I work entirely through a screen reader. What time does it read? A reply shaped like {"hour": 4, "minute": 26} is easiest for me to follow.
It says {"hour": 1, "minute": 20}
